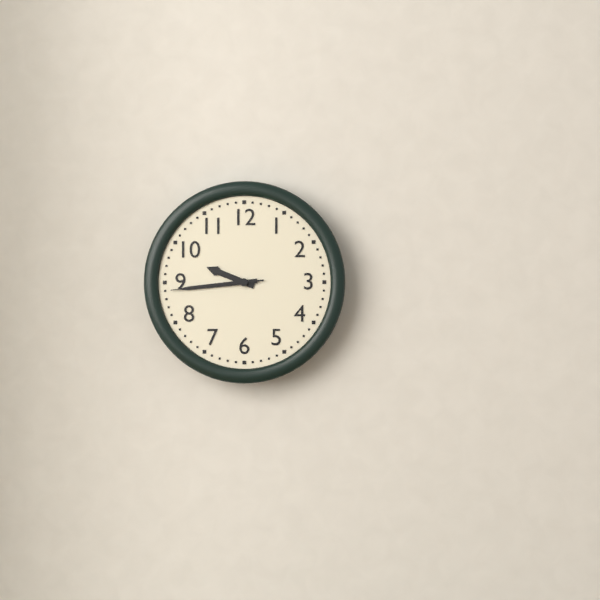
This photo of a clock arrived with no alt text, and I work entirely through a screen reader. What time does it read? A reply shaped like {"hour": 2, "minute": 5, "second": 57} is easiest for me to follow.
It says {"hour": 9, "minute": 44, "second": 44}
